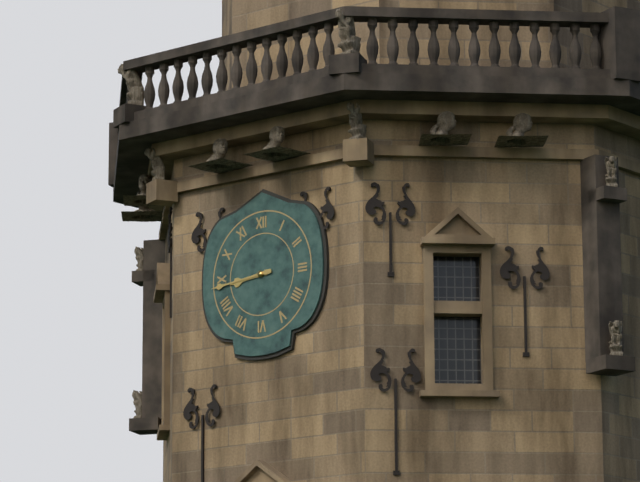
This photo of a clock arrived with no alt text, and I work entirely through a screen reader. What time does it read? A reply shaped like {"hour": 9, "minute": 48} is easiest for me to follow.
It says {"hour": 8, "minute": 44}
